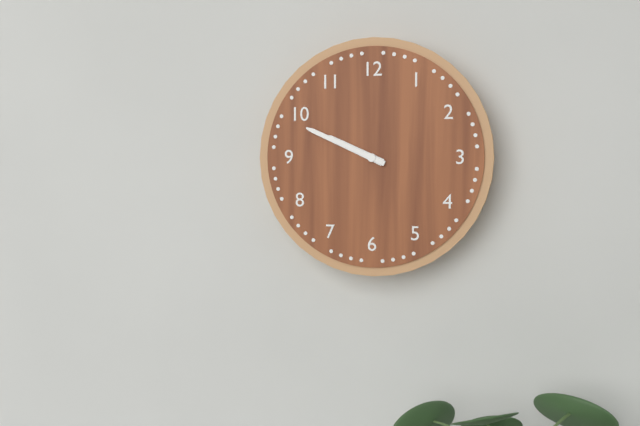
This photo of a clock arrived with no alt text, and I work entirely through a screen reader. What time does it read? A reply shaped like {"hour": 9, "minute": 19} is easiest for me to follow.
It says {"hour": 9, "minute": 49}
